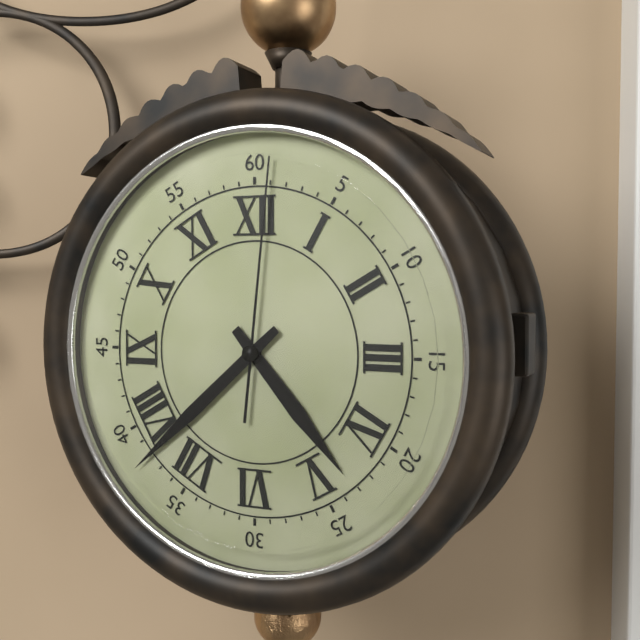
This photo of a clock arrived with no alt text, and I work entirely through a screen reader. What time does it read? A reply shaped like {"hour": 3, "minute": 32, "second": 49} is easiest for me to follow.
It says {"hour": 4, "minute": 38, "second": 1}
